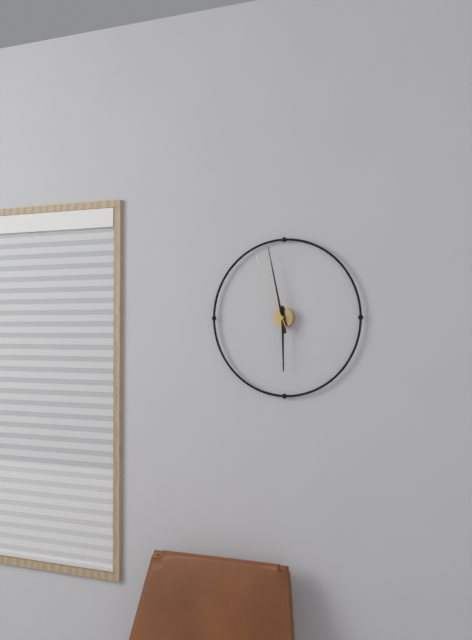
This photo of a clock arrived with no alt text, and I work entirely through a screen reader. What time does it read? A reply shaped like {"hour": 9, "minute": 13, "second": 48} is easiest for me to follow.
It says {"hour": 5, "minute": 58, "second": 56}
